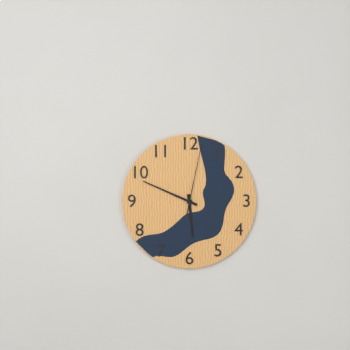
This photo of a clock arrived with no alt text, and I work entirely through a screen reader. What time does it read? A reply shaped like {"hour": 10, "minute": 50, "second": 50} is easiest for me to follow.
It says {"hour": 5, "minute": 49, "second": 2}
